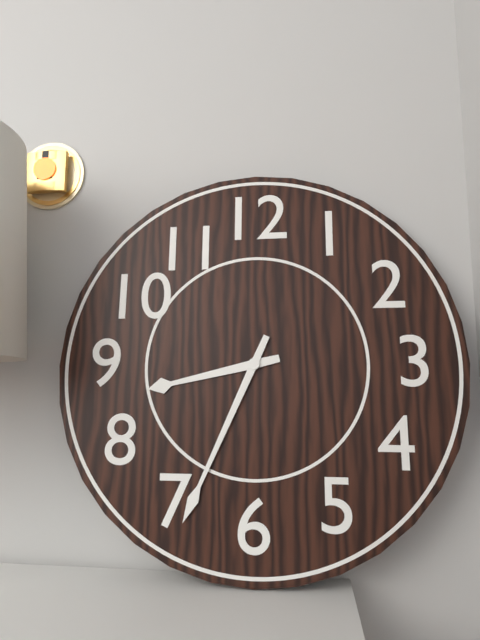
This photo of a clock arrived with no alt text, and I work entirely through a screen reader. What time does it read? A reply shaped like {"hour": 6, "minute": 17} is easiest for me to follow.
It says {"hour": 8, "minute": 34}
